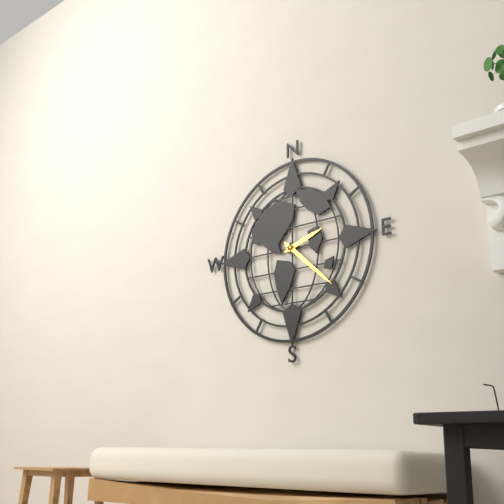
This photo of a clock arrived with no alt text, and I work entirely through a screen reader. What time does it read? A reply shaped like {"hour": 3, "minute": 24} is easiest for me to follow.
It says {"hour": 2, "minute": 22}
